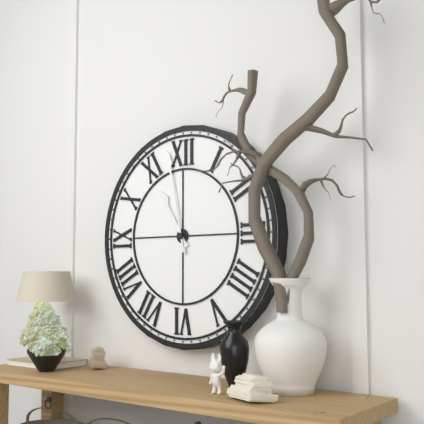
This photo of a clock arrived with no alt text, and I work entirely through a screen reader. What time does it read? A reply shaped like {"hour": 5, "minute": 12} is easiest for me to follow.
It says {"hour": 10, "minute": 58}
